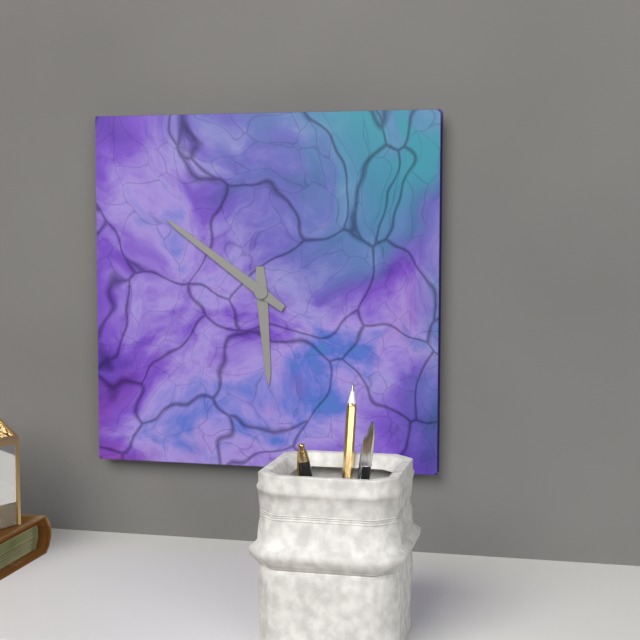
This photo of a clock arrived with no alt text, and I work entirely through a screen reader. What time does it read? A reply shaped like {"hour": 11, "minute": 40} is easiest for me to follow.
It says {"hour": 5, "minute": 51}
